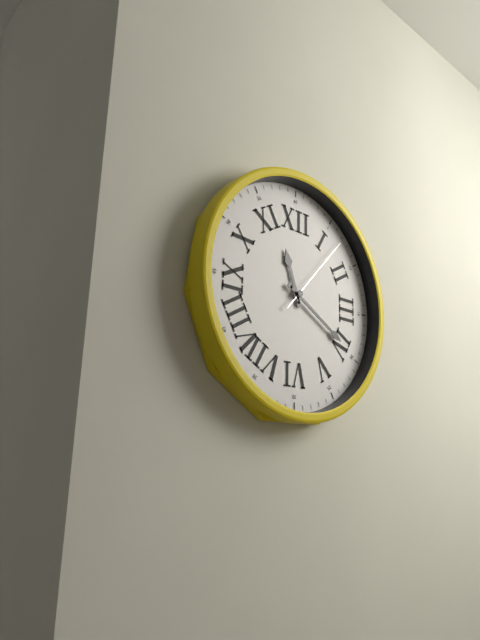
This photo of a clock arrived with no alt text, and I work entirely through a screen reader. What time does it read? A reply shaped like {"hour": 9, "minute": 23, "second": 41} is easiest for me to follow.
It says {"hour": 11, "minute": 20, "second": 7}
